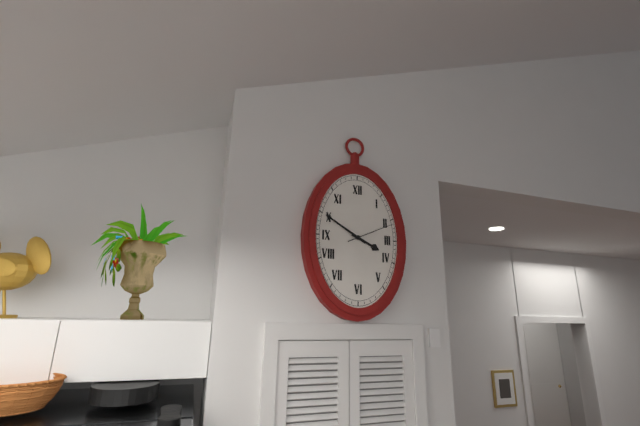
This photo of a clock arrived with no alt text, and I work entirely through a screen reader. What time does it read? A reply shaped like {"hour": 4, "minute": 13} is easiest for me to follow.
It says {"hour": 3, "minute": 50}
